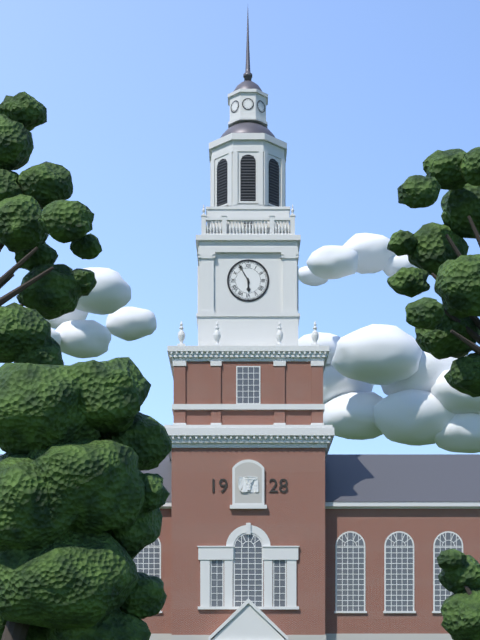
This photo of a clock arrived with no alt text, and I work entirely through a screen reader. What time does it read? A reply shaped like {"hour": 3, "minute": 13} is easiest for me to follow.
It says {"hour": 5, "minute": 55}
